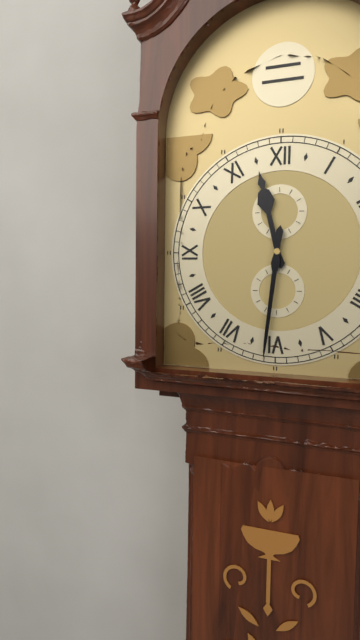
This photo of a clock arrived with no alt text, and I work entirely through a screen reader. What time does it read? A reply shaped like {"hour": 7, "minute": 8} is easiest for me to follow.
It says {"hour": 11, "minute": 31}
